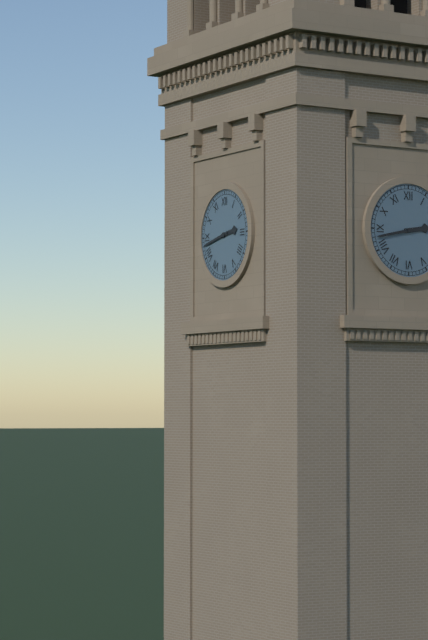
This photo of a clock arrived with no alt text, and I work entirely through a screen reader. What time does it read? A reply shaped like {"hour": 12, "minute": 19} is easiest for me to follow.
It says {"hour": 2, "minute": 43}
